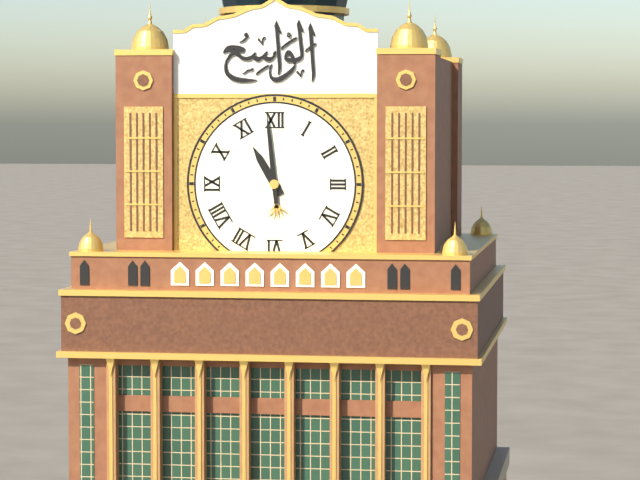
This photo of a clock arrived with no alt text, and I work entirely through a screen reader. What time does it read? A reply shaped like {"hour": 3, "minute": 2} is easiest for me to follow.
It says {"hour": 10, "minute": 59}
